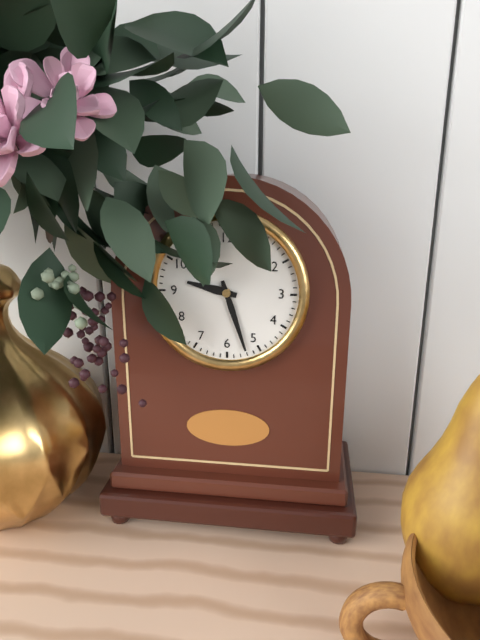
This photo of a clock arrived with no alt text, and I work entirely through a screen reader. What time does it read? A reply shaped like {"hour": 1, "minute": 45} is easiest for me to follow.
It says {"hour": 9, "minute": 27}
